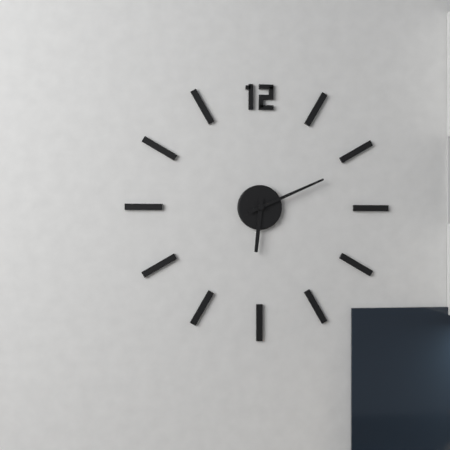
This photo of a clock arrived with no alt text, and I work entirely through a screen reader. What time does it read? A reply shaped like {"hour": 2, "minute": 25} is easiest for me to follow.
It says {"hour": 6, "minute": 11}
